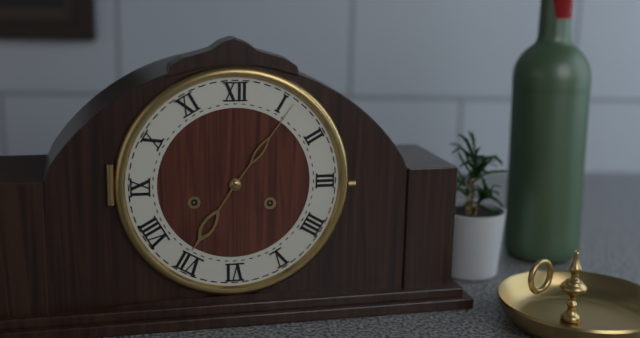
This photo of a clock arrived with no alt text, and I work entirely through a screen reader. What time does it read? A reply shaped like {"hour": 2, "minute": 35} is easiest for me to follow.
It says {"hour": 7, "minute": 6}
